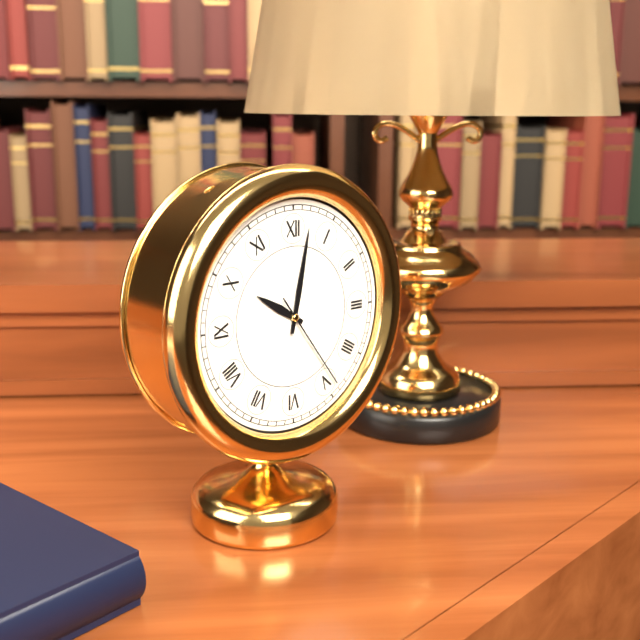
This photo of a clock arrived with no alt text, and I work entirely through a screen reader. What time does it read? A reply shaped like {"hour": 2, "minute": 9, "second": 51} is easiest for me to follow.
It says {"hour": 10, "minute": 2, "second": 24}
